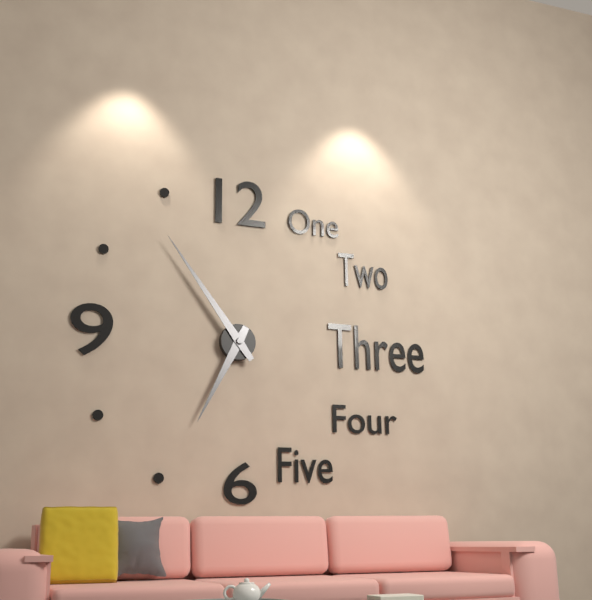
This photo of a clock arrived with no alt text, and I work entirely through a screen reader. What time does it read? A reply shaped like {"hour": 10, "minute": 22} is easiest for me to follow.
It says {"hour": 6, "minute": 54}
